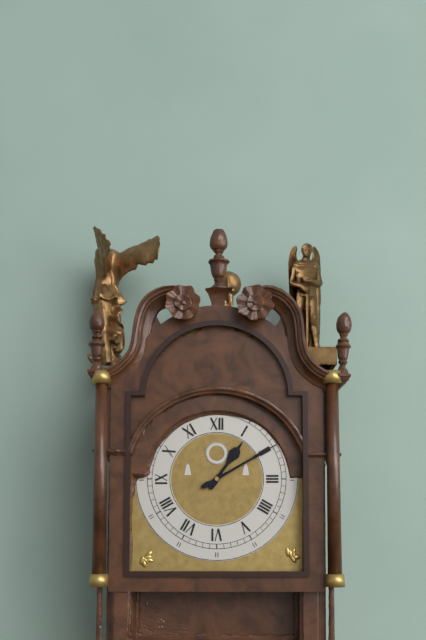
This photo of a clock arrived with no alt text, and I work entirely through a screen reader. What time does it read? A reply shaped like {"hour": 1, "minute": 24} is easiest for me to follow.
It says {"hour": 1, "minute": 10}
